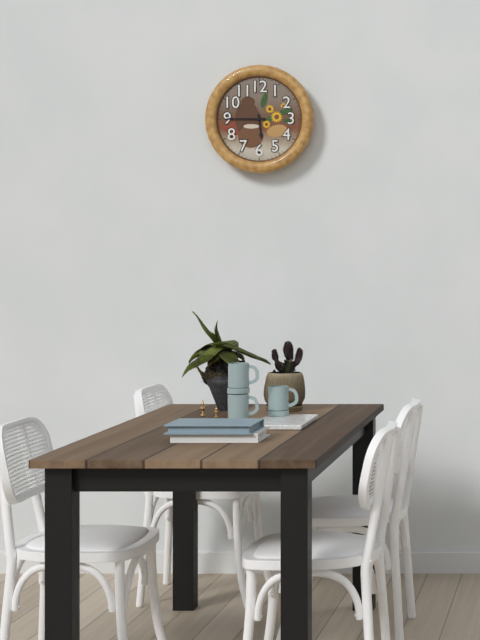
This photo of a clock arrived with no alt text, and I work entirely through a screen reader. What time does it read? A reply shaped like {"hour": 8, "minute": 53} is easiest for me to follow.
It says {"hour": 5, "minute": 45}
